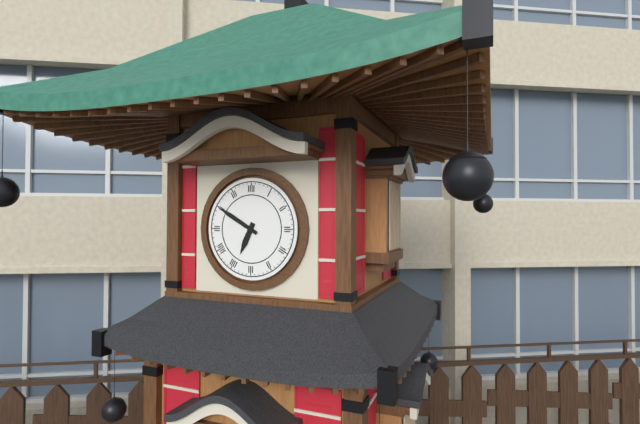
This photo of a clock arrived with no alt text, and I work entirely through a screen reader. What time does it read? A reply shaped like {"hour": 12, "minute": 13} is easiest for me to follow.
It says {"hour": 6, "minute": 50}
